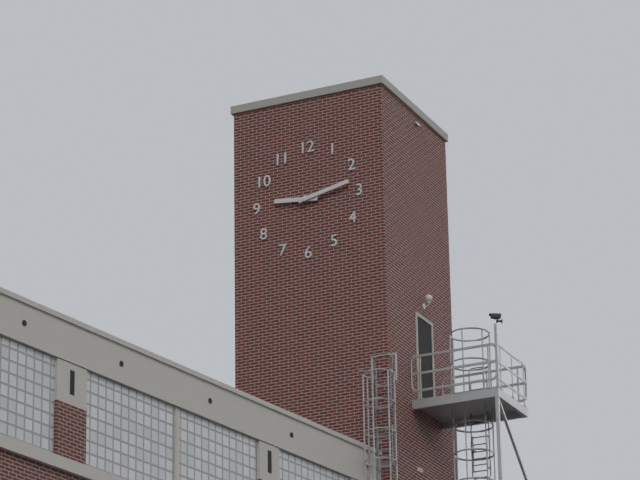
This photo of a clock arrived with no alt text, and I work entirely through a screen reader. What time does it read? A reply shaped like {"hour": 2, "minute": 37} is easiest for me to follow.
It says {"hour": 9, "minute": 13}
